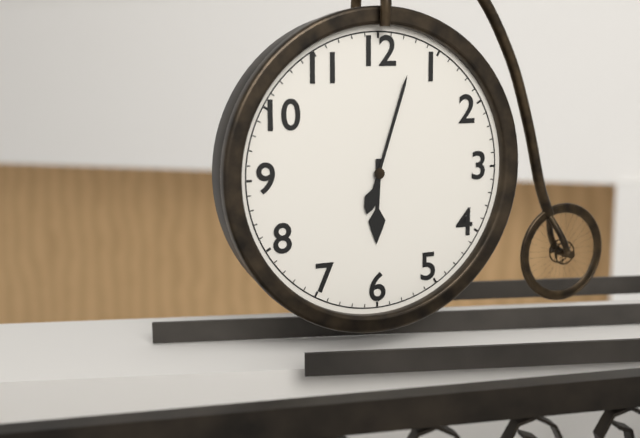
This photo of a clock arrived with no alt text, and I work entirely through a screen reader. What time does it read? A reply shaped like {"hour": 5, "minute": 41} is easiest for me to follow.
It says {"hour": 6, "minute": 3}
